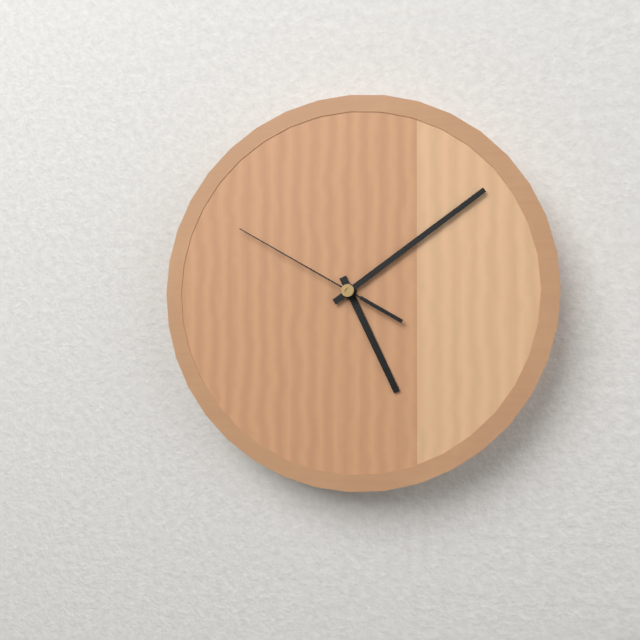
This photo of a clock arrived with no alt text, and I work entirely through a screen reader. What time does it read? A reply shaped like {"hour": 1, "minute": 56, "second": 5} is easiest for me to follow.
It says {"hour": 5, "minute": 9, "second": 50}
